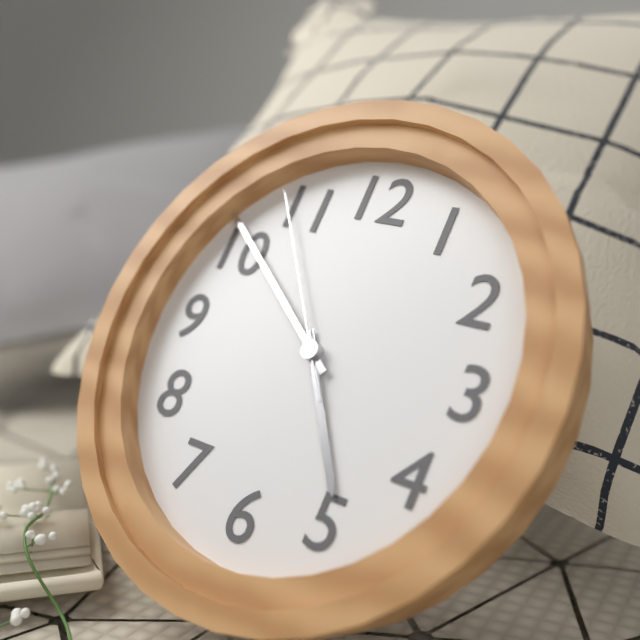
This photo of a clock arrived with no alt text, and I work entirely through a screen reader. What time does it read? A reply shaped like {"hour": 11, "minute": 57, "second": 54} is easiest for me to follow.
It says {"hour": 4, "minute": 51, "second": 54}
